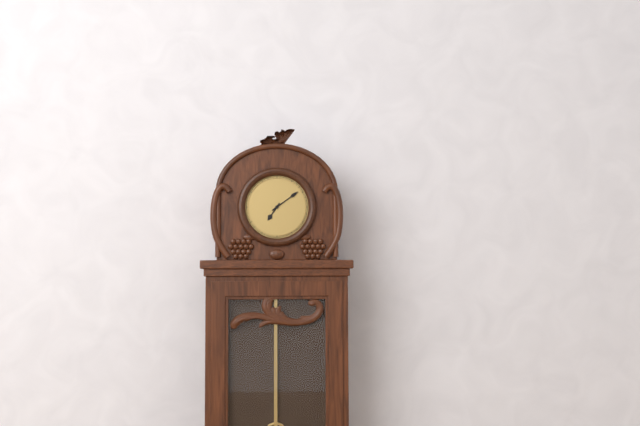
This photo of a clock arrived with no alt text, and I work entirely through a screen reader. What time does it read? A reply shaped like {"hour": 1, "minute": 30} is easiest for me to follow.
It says {"hour": 7, "minute": 9}
